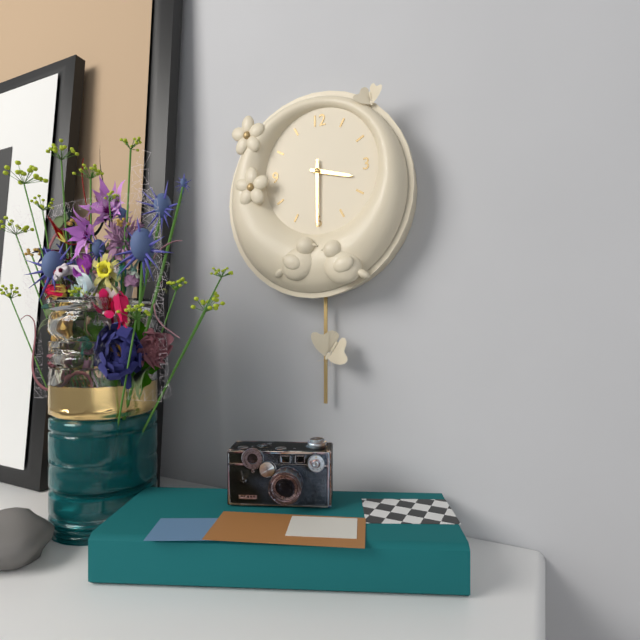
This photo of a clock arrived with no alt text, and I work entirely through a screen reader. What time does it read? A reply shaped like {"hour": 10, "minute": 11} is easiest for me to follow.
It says {"hour": 3, "minute": 30}
